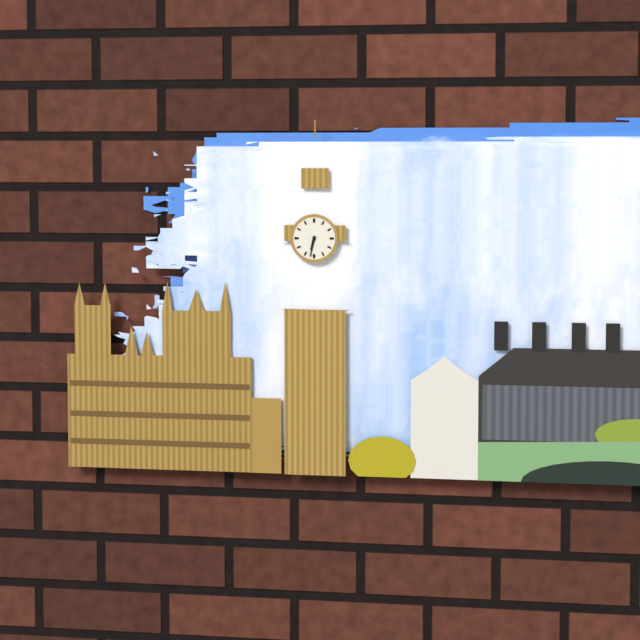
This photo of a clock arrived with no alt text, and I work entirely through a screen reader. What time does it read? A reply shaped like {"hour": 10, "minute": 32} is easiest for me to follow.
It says {"hour": 6, "minute": 32}
